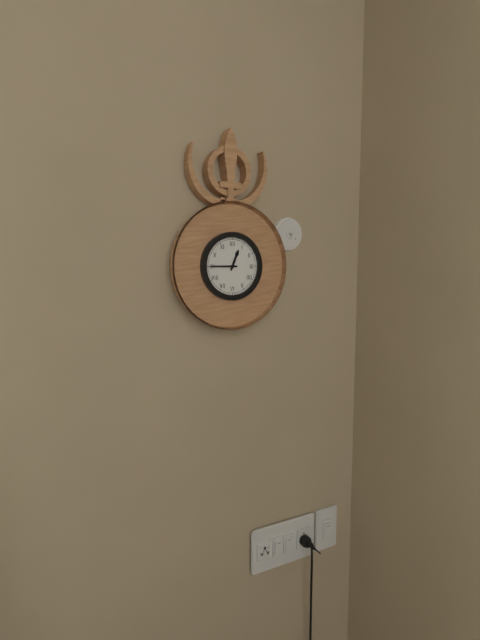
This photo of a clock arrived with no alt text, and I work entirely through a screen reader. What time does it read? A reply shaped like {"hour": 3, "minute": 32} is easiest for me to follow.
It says {"hour": 12, "minute": 45}
